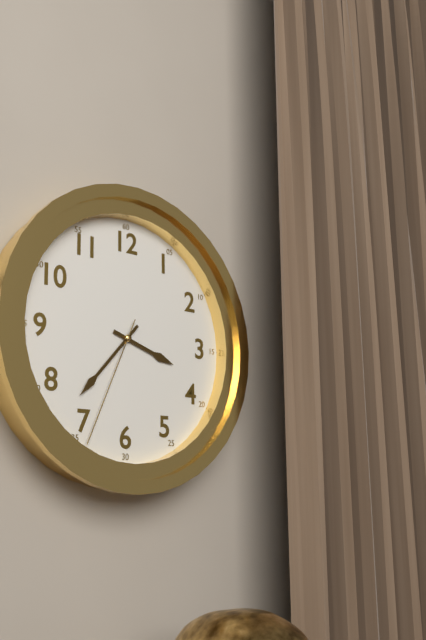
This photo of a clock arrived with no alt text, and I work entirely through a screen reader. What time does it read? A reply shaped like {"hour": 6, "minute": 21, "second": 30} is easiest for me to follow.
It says {"hour": 3, "minute": 37, "second": 34}
